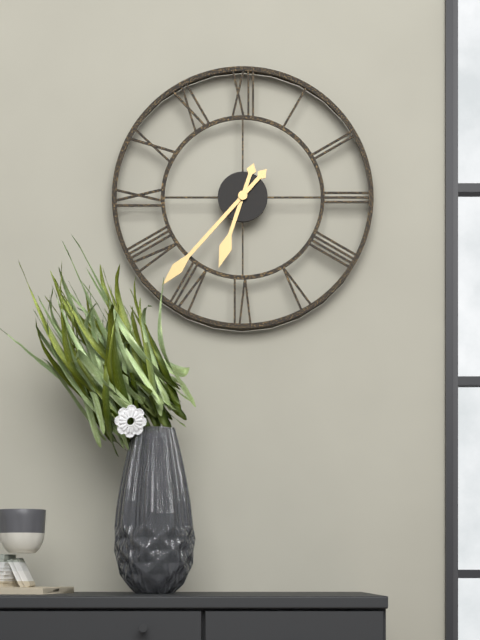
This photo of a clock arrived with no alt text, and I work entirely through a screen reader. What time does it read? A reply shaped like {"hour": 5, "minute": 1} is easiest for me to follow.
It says {"hour": 6, "minute": 37}
